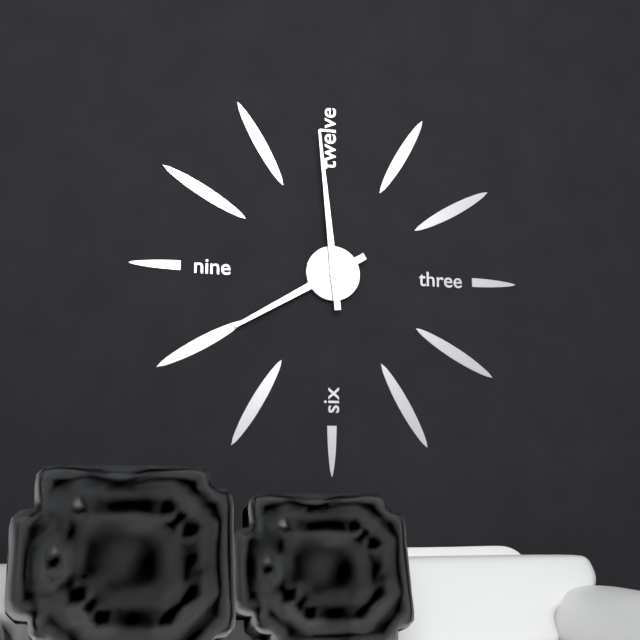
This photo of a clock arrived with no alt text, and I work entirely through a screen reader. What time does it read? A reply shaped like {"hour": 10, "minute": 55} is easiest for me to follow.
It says {"hour": 7, "minute": 59}
